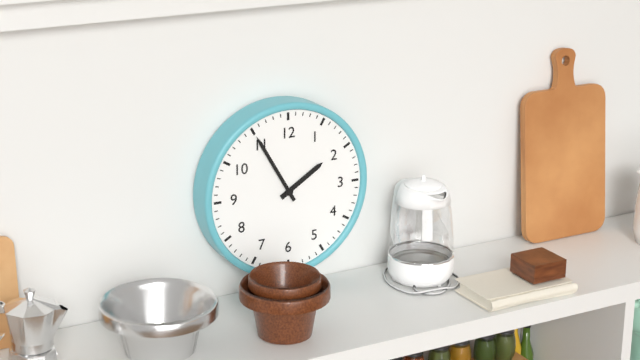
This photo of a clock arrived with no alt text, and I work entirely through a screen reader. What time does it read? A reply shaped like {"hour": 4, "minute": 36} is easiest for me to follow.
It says {"hour": 1, "minute": 55}
